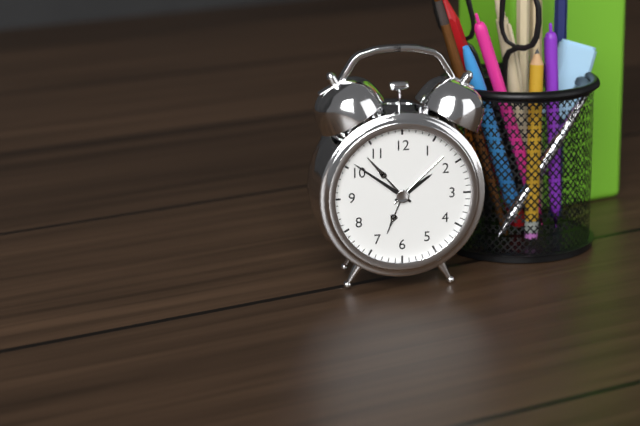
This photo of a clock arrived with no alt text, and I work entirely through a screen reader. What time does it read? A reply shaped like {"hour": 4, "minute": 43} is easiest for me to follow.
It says {"hour": 1, "minute": 51}
